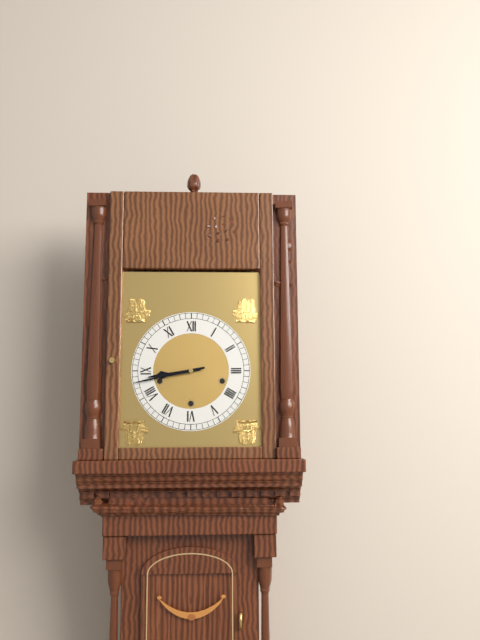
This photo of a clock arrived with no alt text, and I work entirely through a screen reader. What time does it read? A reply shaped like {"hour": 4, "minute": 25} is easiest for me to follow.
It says {"hour": 8, "minute": 43}
